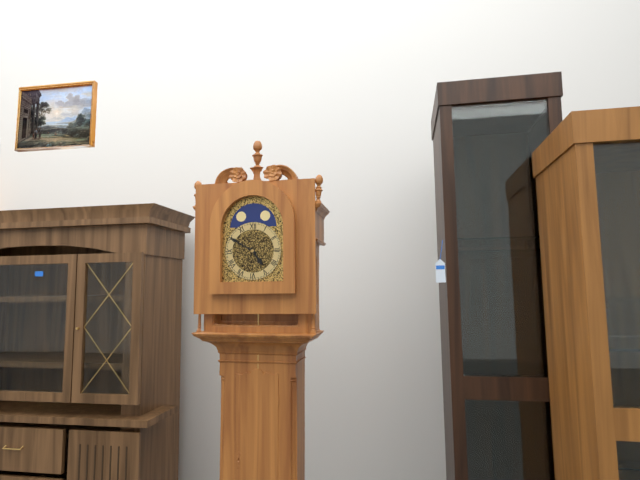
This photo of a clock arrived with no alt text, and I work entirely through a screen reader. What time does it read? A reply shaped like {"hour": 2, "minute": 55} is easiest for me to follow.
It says {"hour": 4, "minute": 50}
